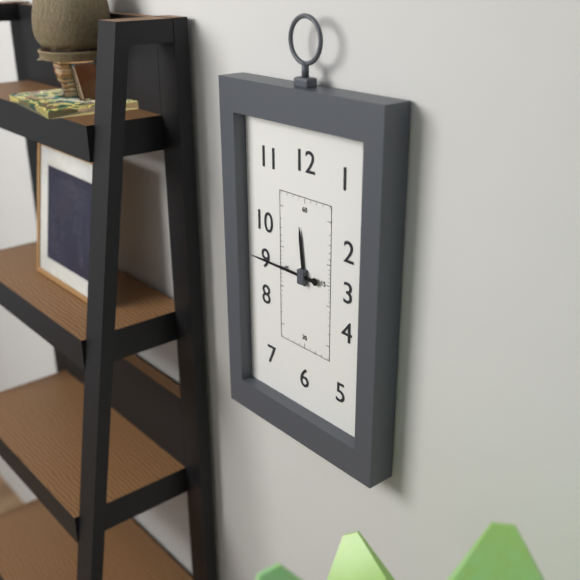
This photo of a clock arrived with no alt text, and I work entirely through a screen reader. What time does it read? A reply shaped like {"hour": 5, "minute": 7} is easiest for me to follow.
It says {"hour": 11, "minute": 45}
